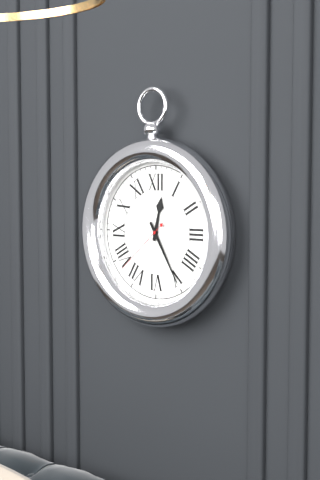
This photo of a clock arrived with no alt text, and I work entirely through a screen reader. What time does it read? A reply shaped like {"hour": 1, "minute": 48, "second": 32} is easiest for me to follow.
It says {"hour": 12, "minute": 25, "second": 38}
